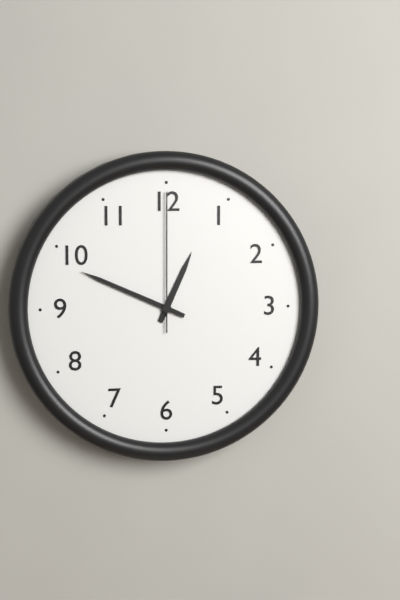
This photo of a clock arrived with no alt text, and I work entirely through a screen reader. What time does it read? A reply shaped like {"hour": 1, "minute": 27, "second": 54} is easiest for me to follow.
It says {"hour": 12, "minute": 49, "second": 0}
